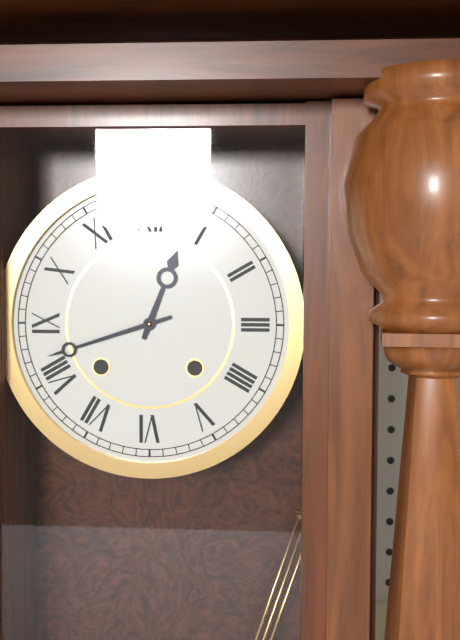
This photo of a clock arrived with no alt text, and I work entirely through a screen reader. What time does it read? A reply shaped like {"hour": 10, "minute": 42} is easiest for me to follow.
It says {"hour": 12, "minute": 42}
